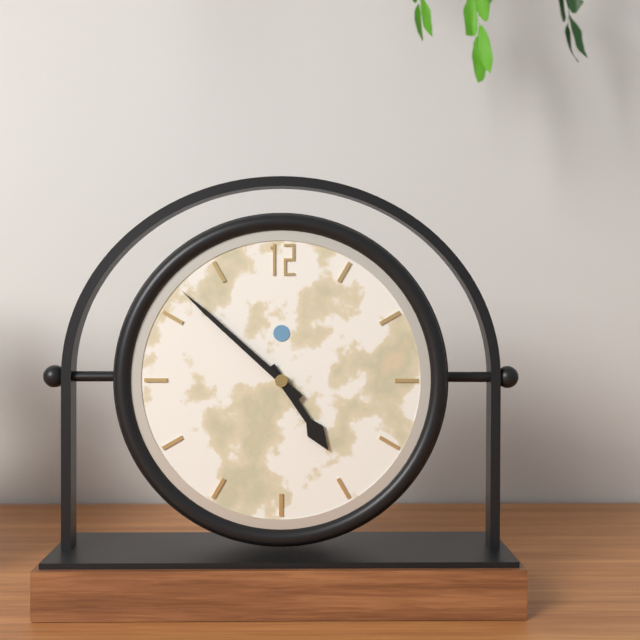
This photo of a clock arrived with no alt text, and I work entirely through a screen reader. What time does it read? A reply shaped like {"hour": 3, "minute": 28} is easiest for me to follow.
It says {"hour": 4, "minute": 52}
